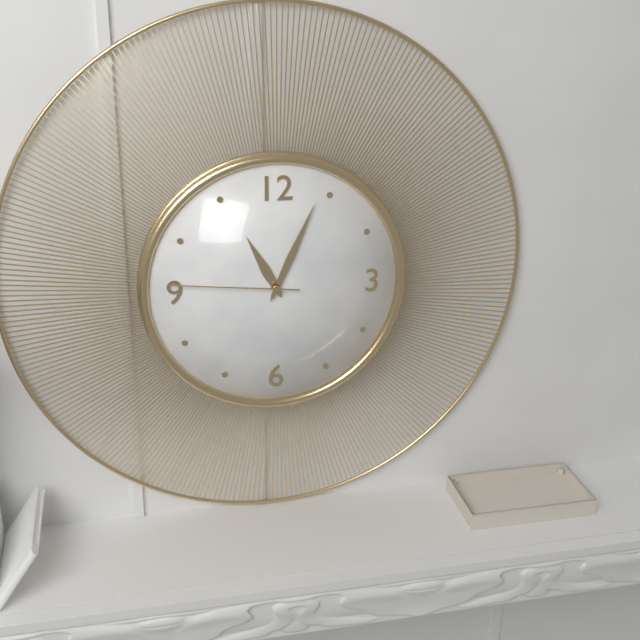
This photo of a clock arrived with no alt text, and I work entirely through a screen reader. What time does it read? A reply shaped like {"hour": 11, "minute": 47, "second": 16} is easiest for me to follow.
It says {"hour": 11, "minute": 4, "second": 46}
